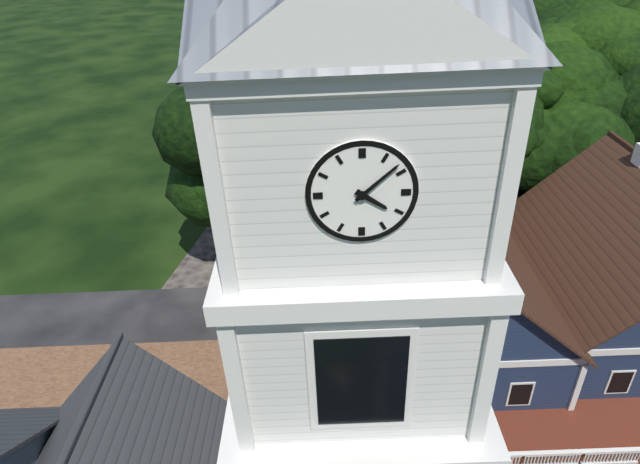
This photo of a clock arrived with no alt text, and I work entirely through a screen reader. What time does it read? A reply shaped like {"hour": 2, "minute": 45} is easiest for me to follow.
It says {"hour": 4, "minute": 8}
